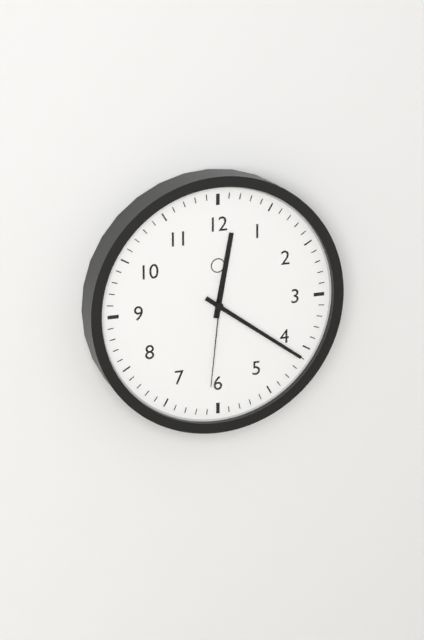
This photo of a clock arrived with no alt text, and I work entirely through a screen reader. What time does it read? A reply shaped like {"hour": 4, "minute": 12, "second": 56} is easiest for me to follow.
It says {"hour": 12, "minute": 21, "second": 31}
